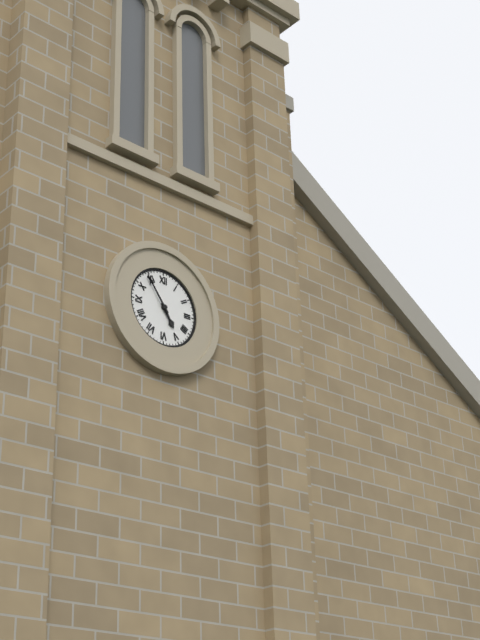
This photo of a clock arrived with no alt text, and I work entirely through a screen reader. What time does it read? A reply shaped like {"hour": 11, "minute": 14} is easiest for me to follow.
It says {"hour": 4, "minute": 54}
